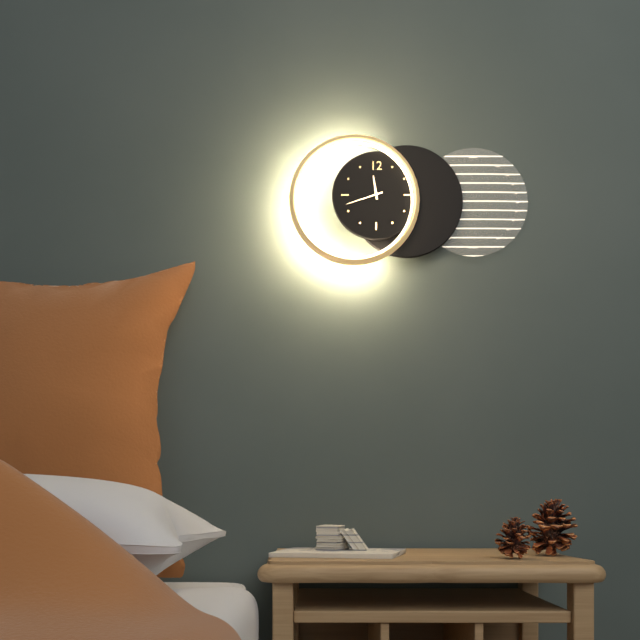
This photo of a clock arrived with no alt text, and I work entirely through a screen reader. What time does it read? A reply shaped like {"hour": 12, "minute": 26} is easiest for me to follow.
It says {"hour": 11, "minute": 42}
